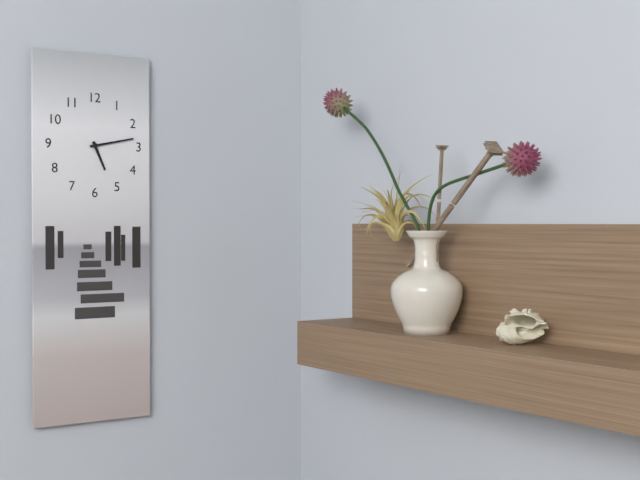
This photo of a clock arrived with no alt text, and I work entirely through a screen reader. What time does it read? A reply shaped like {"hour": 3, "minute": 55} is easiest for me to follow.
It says {"hour": 5, "minute": 13}
